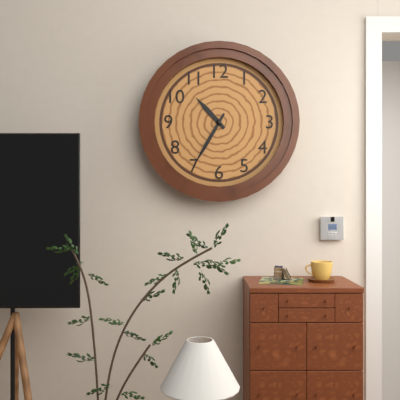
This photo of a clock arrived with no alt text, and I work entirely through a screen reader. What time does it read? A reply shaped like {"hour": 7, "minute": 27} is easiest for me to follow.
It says {"hour": 10, "minute": 35}
